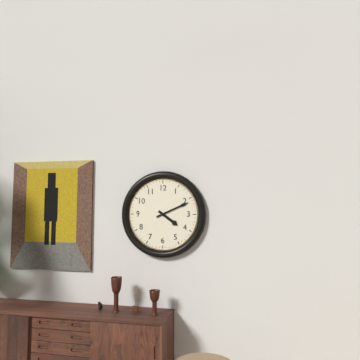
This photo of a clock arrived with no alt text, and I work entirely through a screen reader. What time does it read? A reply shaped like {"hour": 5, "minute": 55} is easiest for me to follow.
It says {"hour": 4, "minute": 11}
